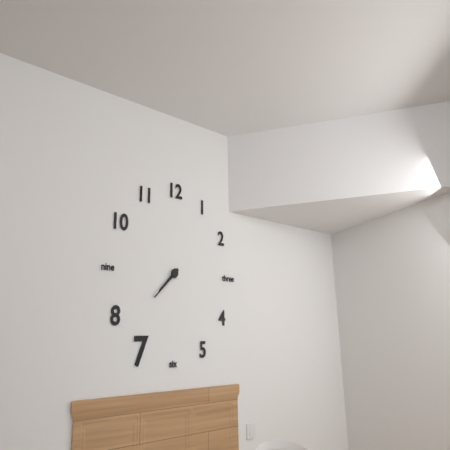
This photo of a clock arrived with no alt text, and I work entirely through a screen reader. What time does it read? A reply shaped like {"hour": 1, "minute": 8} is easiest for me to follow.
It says {"hour": 7, "minute": 38}
